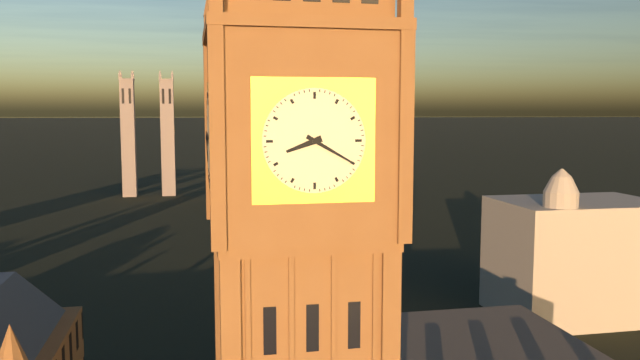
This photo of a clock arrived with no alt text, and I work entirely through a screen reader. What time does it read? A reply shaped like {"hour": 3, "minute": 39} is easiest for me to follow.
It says {"hour": 8, "minute": 20}
